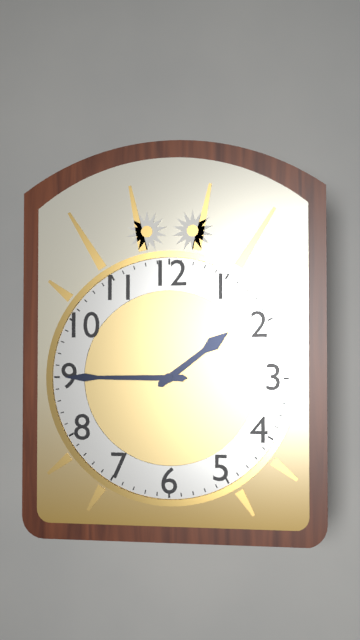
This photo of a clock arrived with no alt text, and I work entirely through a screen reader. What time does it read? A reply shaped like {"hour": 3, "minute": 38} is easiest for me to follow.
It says {"hour": 1, "minute": 45}
